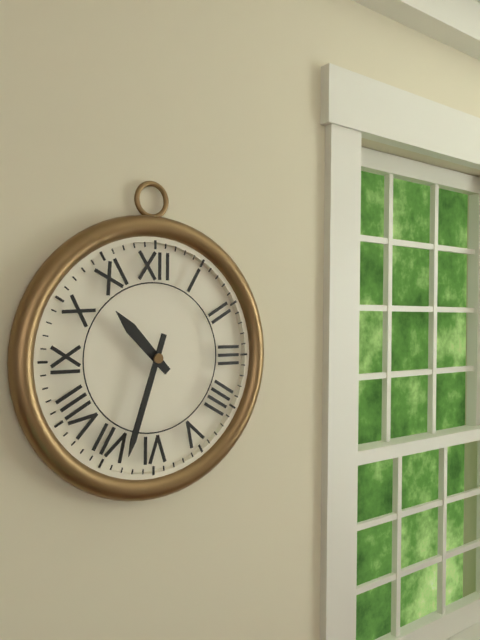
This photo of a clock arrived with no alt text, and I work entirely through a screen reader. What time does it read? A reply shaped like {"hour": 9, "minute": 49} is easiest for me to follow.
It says {"hour": 10, "minute": 33}
